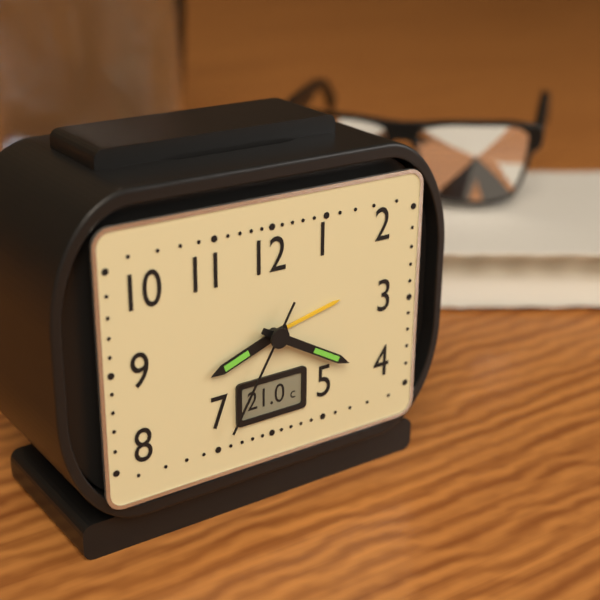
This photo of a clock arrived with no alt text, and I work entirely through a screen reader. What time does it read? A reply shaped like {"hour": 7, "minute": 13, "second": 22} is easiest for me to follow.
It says {"hour": 8, "minute": 20, "second": 35}
